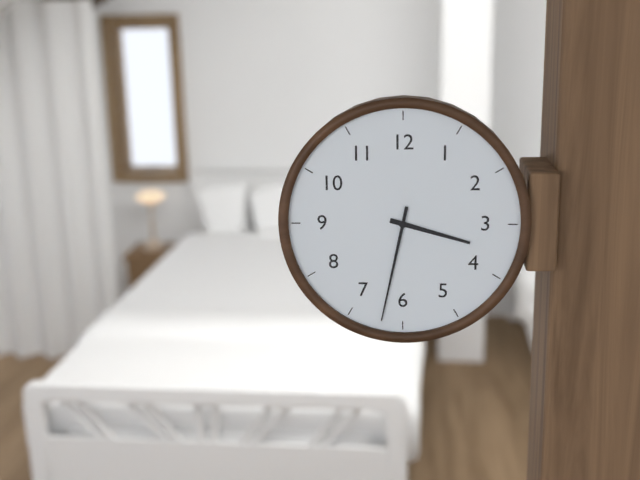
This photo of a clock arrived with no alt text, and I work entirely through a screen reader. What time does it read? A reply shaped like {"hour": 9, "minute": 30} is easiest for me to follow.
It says {"hour": 3, "minute": 32}
